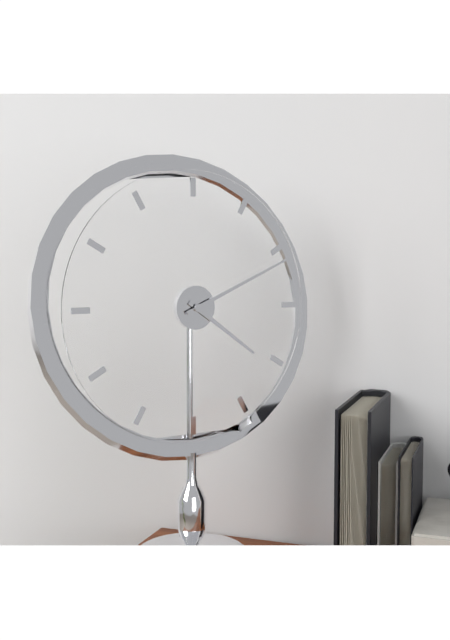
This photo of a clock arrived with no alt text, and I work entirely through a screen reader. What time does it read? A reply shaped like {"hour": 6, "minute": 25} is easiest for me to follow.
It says {"hour": 4, "minute": 11}
